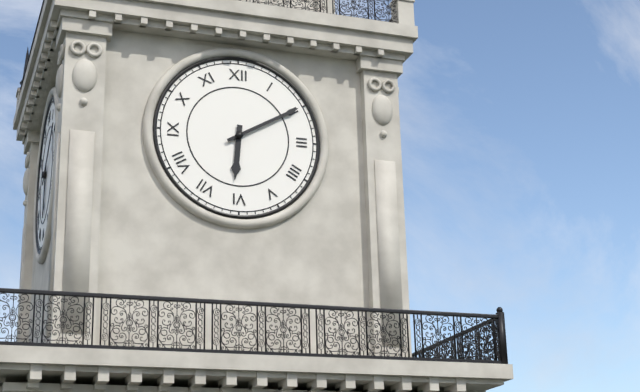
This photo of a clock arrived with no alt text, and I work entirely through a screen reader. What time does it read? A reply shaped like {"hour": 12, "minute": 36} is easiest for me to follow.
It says {"hour": 6, "minute": 10}
